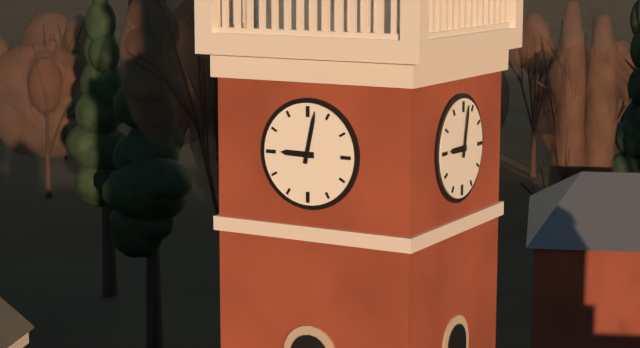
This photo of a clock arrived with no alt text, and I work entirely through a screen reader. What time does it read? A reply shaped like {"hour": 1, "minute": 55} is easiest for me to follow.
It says {"hour": 9, "minute": 2}
